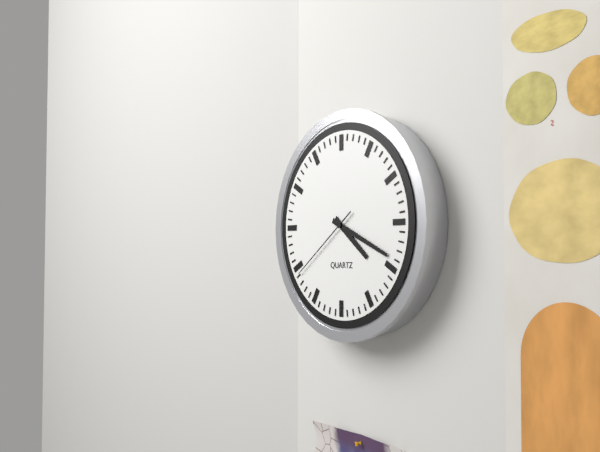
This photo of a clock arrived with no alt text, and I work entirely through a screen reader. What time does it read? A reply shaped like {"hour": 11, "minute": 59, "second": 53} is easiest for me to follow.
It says {"hour": 4, "minute": 19, "second": 39}
